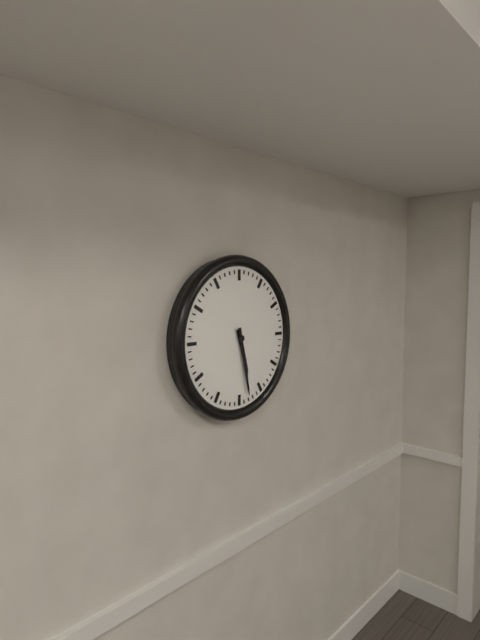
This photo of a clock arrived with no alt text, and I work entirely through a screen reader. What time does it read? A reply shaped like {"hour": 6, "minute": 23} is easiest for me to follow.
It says {"hour": 5, "minute": 28}
